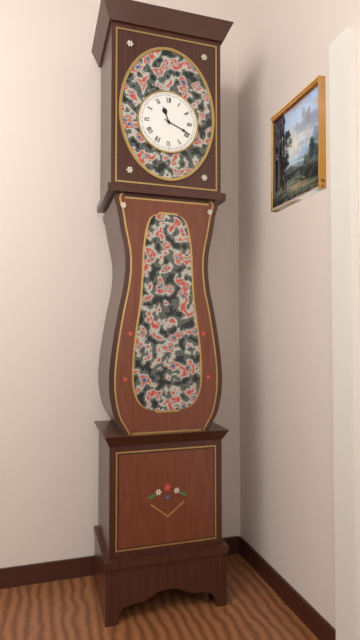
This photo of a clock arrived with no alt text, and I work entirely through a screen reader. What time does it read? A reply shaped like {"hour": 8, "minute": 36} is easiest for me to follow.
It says {"hour": 11, "minute": 19}
